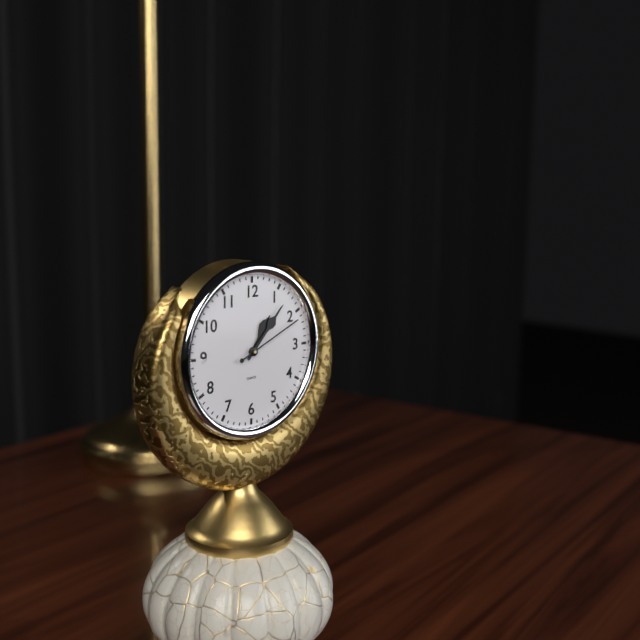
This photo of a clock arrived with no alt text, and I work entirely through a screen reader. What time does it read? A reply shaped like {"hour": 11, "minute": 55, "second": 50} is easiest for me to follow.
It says {"hour": 1, "minute": 7, "second": 11}
